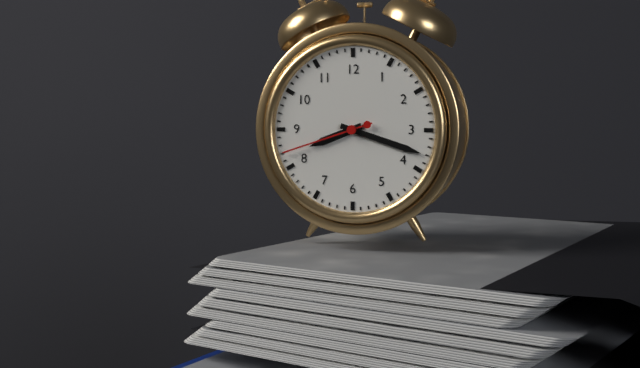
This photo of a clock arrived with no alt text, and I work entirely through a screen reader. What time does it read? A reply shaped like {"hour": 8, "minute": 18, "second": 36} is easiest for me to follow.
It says {"hour": 8, "minute": 18, "second": 42}
